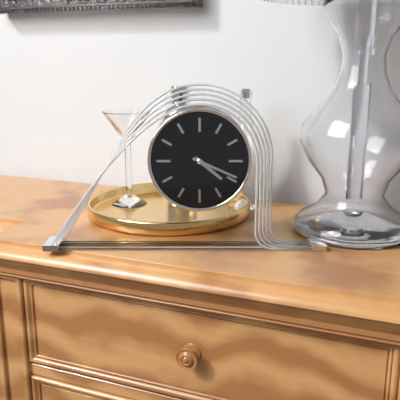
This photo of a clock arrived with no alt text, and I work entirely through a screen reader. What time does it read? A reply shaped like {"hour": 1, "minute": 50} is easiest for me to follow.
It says {"hour": 4, "minute": 19}
